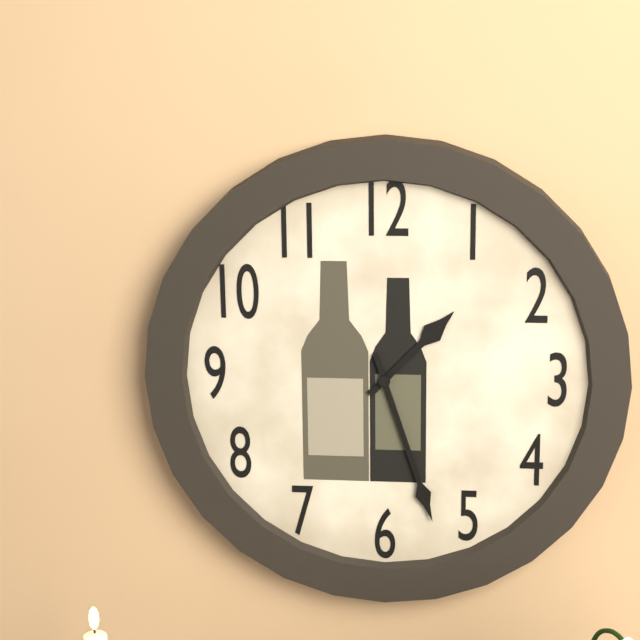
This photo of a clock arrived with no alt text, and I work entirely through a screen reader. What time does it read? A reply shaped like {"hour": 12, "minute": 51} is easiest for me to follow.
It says {"hour": 1, "minute": 27}
